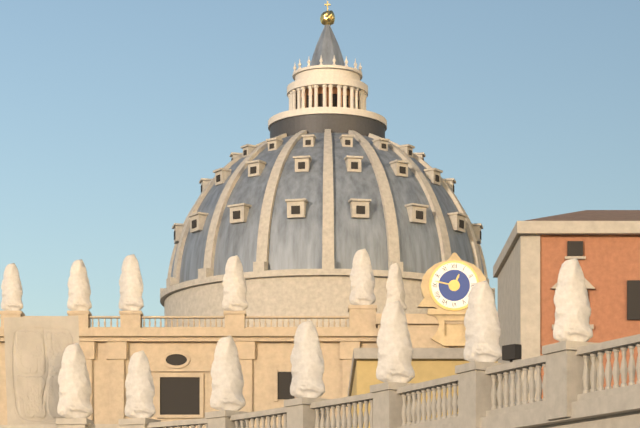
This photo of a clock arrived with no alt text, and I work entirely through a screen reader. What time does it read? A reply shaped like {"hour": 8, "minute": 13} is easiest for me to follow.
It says {"hour": 12, "minute": 47}
